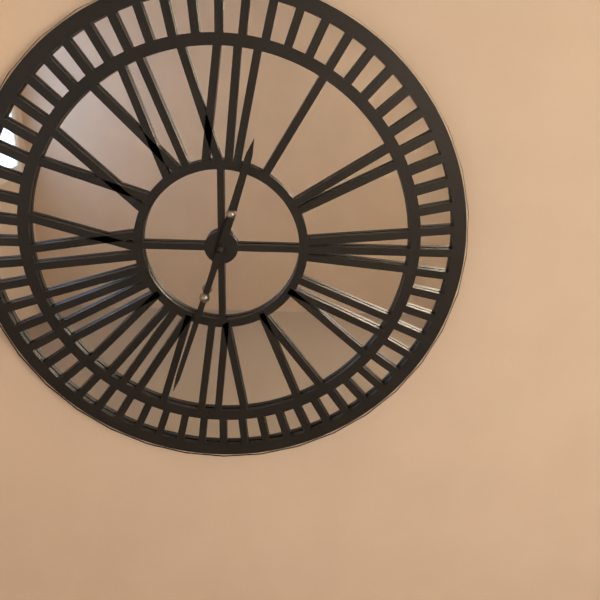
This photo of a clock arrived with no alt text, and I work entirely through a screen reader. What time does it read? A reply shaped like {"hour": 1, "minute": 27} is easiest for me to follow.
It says {"hour": 12, "minute": 33}
